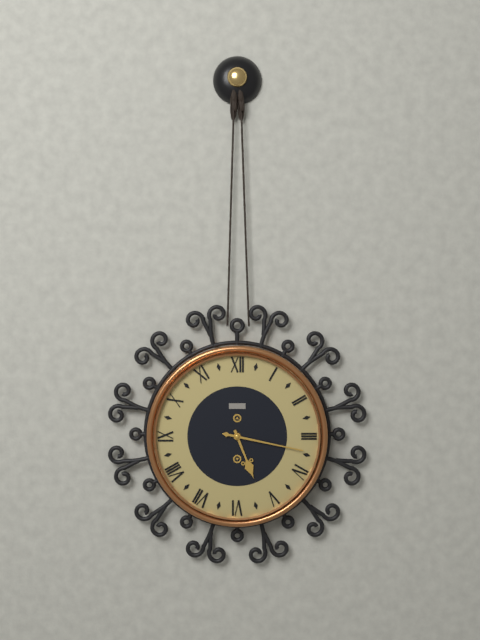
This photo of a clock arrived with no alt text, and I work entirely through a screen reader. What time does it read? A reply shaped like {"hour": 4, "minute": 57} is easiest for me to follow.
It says {"hour": 5, "minute": 17}
